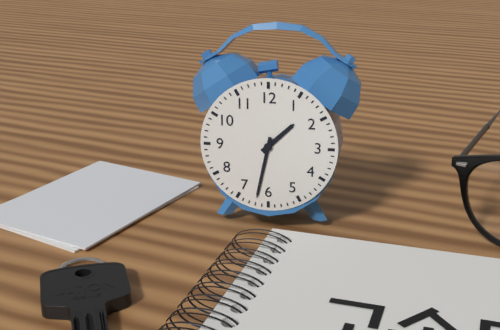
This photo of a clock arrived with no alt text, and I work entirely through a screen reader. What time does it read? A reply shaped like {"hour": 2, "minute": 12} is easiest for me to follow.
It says {"hour": 1, "minute": 32}
